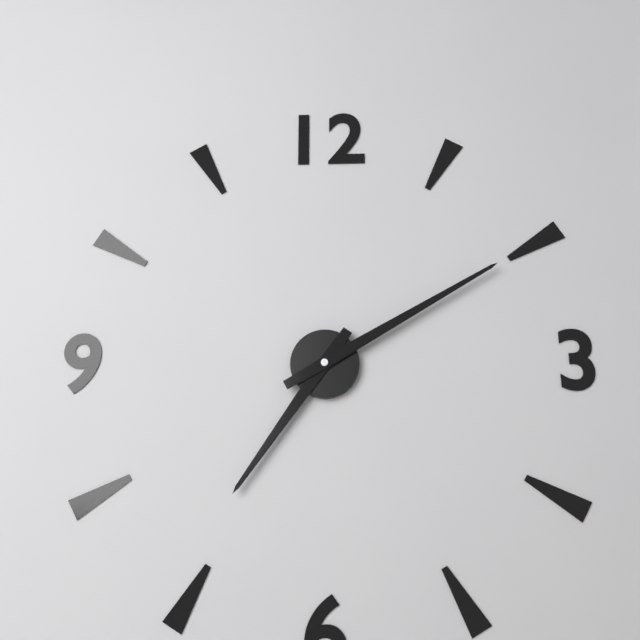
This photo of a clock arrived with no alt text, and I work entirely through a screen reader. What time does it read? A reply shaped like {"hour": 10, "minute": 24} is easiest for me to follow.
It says {"hour": 7, "minute": 10}
